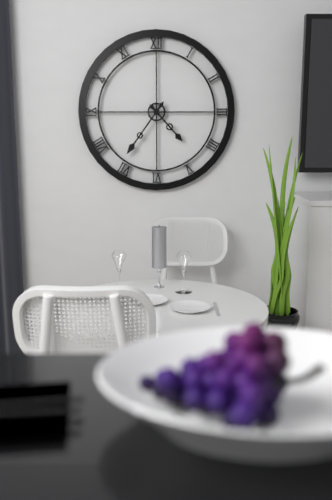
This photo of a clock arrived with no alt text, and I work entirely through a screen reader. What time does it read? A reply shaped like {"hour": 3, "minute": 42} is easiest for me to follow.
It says {"hour": 4, "minute": 36}
